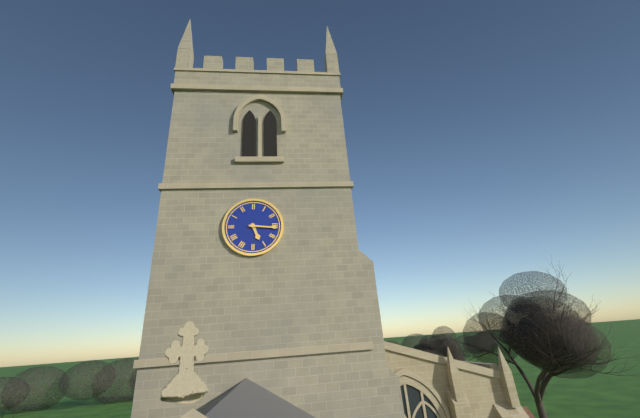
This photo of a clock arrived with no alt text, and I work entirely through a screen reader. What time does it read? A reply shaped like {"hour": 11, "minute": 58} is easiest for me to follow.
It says {"hour": 5, "minute": 16}
